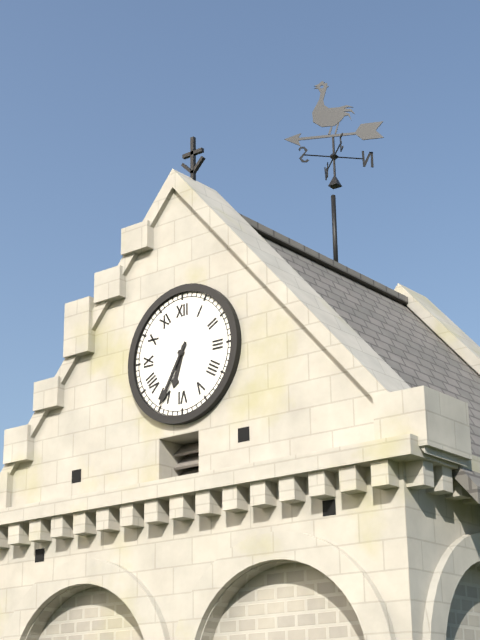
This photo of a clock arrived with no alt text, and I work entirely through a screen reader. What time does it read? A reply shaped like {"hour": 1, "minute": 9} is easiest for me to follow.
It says {"hour": 6, "minute": 35}
